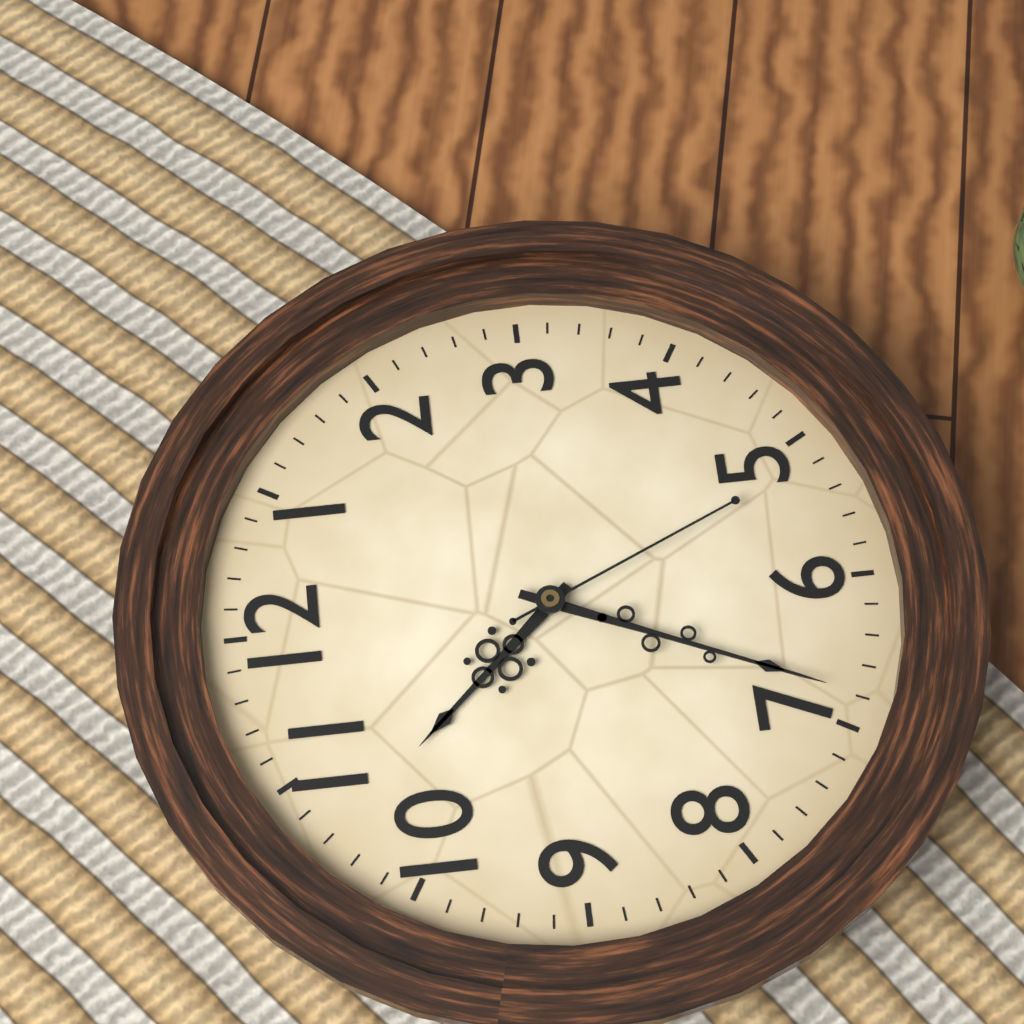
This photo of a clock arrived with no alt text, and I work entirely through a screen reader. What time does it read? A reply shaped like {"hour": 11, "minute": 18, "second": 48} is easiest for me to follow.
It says {"hour": 10, "minute": 34, "second": 26}
